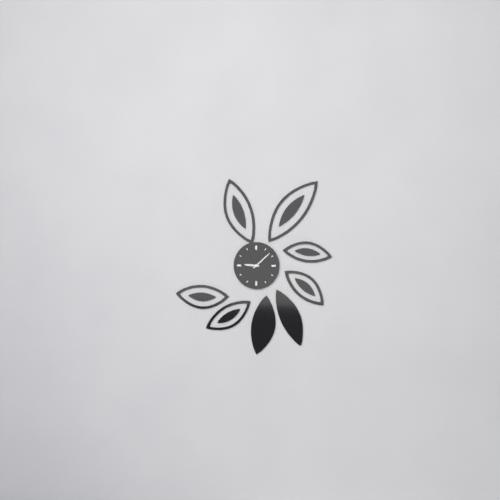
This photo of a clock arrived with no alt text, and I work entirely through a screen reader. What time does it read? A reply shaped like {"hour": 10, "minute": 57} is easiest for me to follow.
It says {"hour": 9, "minute": 8}
